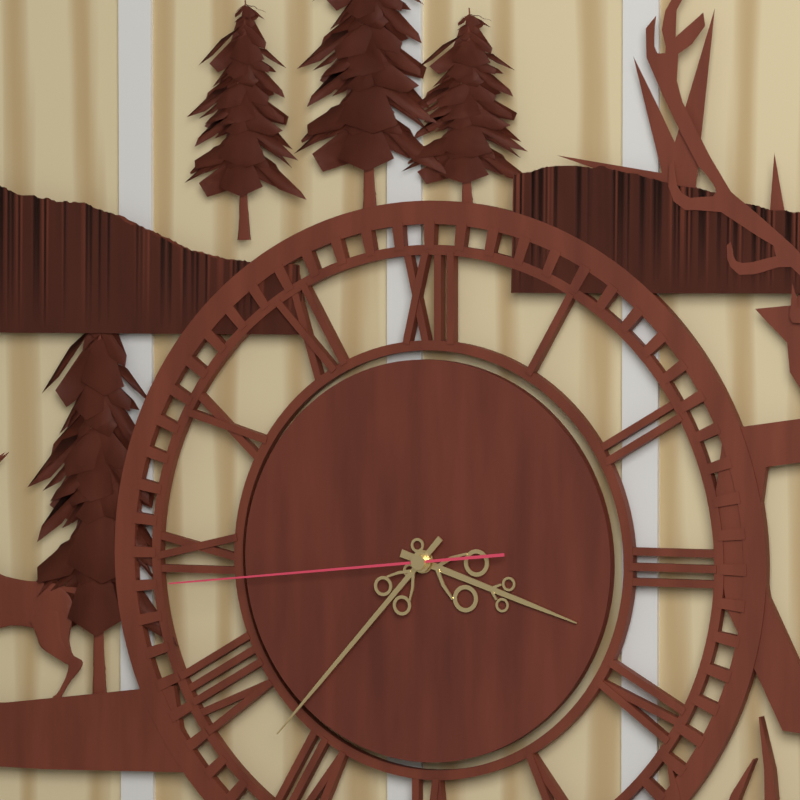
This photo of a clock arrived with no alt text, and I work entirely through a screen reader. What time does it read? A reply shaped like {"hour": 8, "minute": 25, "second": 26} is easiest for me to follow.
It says {"hour": 3, "minute": 37, "second": 44}
